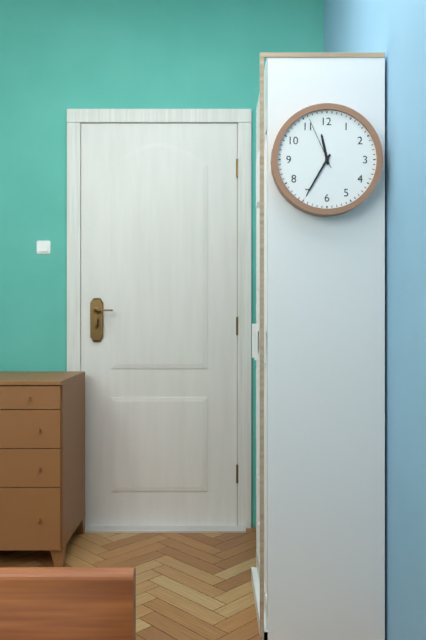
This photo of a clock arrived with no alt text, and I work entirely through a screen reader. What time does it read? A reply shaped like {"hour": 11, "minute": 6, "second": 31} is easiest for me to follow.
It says {"hour": 11, "minute": 35, "second": 56}
